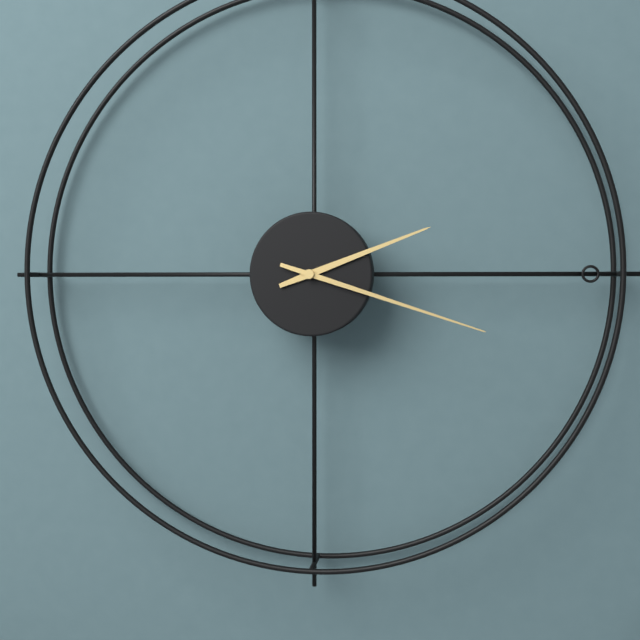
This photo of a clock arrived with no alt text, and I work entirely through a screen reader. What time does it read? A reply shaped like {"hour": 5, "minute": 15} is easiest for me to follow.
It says {"hour": 2, "minute": 18}
